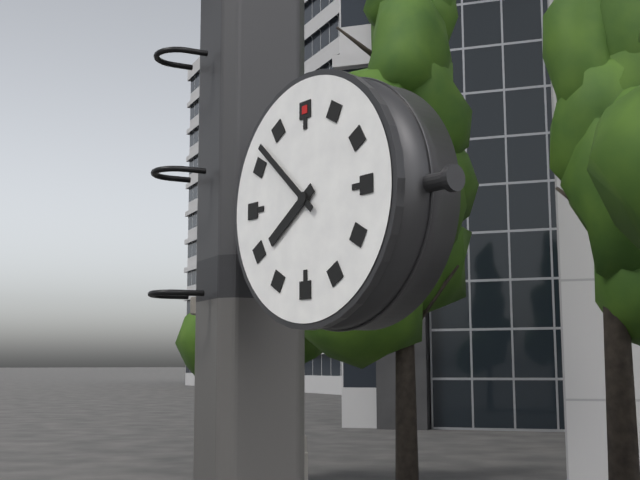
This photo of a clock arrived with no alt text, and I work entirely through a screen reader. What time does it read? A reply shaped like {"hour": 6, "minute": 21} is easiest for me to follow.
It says {"hour": 7, "minute": 52}
